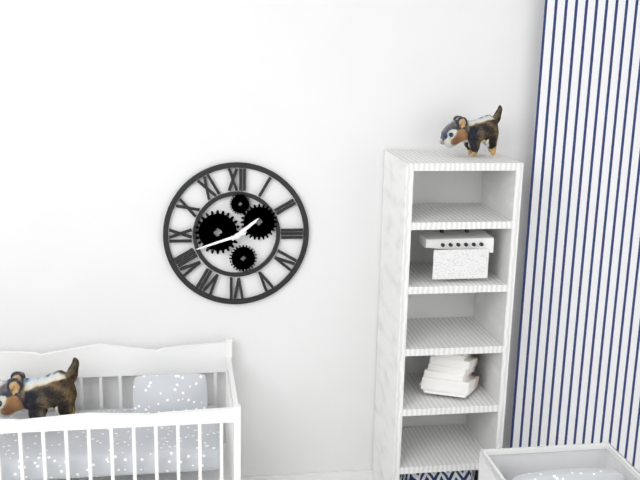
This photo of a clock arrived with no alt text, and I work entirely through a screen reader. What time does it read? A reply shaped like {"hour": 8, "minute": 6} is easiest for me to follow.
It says {"hour": 1, "minute": 42}
